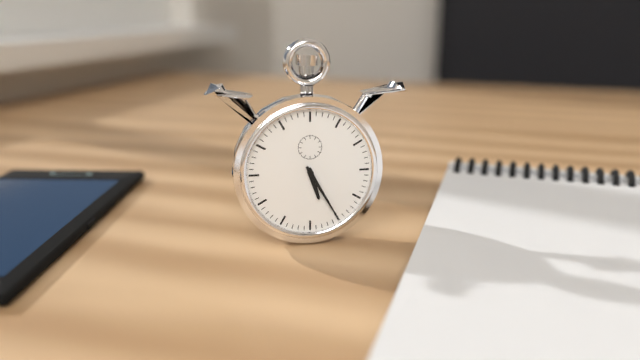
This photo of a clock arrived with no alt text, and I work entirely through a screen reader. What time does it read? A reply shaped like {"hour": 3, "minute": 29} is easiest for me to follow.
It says {"hour": 5, "minute": 25}
